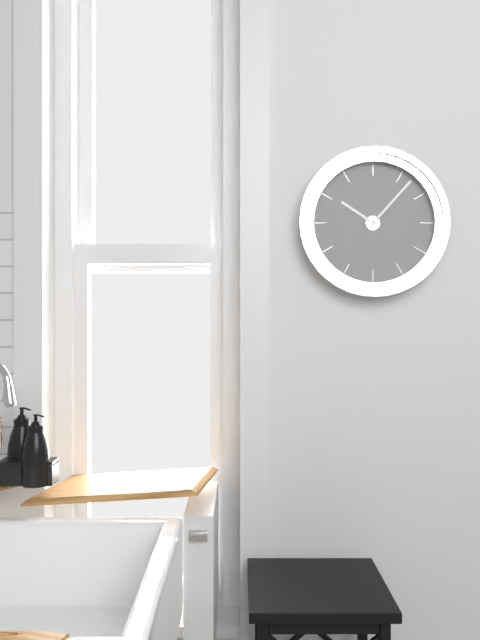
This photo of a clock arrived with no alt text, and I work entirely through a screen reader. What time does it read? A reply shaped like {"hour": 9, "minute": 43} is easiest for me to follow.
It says {"hour": 10, "minute": 7}
